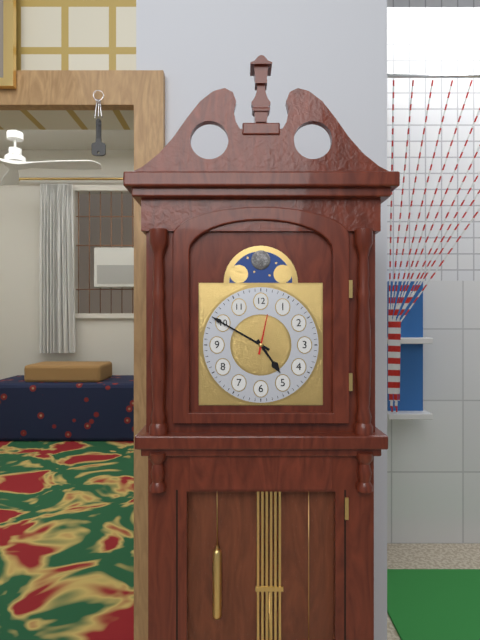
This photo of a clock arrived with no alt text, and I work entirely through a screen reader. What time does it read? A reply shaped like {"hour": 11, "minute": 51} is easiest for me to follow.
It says {"hour": 4, "minute": 50}
